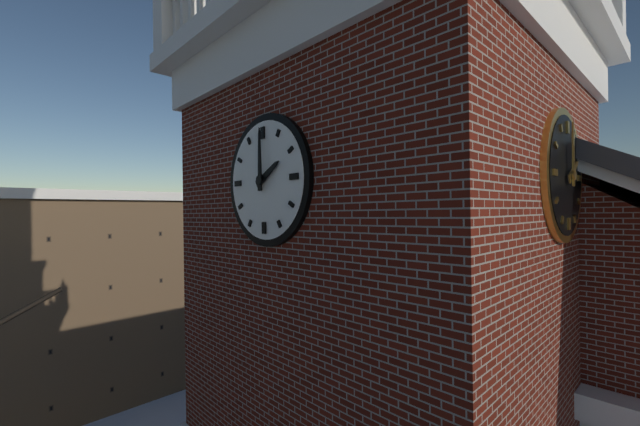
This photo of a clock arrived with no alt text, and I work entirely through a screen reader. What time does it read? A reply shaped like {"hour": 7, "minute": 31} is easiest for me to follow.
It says {"hour": 2, "minute": 0}
